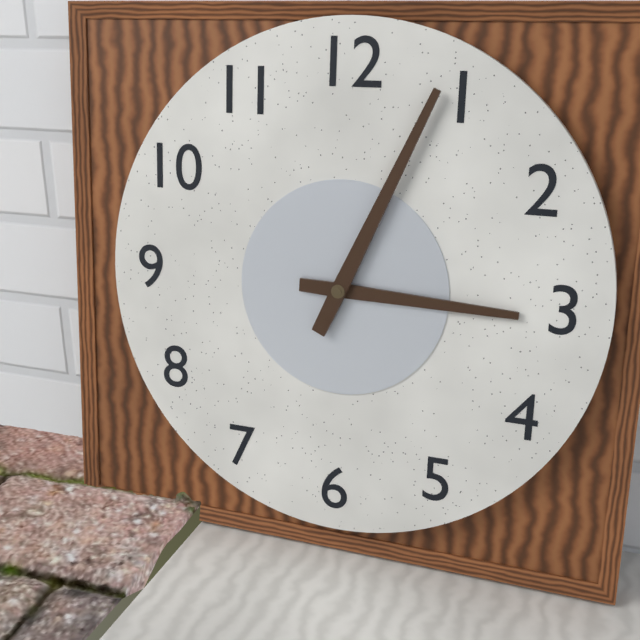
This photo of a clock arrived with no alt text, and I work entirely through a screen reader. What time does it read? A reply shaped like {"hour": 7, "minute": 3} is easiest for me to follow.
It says {"hour": 3, "minute": 4}
